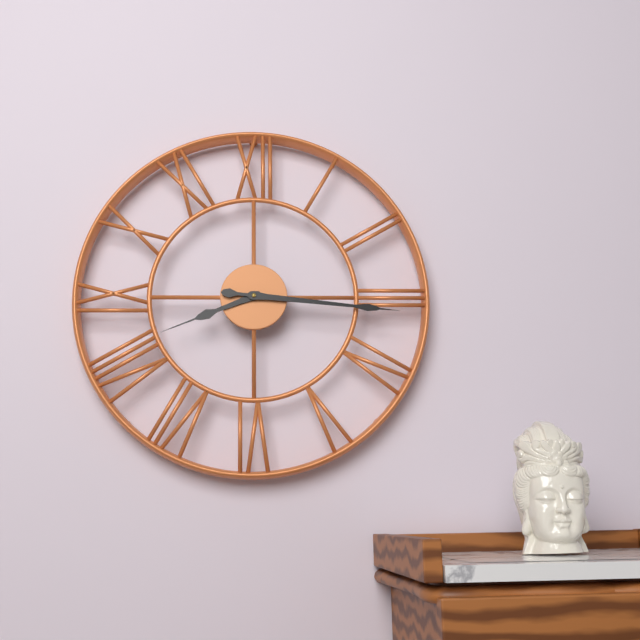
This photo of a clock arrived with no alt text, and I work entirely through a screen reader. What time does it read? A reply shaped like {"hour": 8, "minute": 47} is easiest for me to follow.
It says {"hour": 8, "minute": 16}
